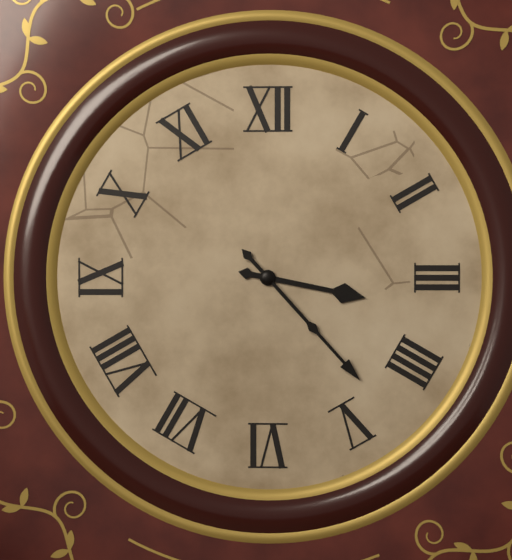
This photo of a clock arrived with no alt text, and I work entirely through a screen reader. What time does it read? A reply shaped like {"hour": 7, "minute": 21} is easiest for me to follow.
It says {"hour": 3, "minute": 23}
